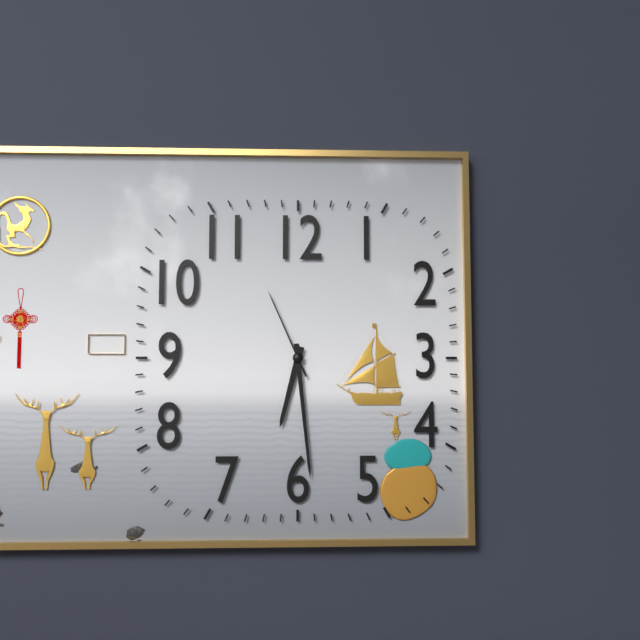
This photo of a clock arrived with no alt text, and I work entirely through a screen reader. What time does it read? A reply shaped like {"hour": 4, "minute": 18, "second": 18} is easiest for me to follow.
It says {"hour": 6, "minute": 29, "second": 56}
